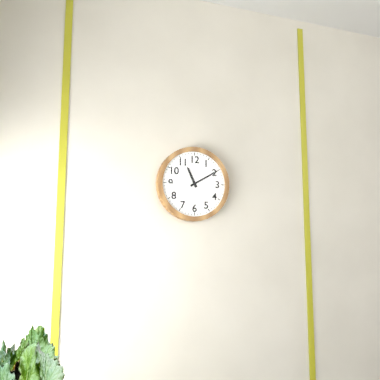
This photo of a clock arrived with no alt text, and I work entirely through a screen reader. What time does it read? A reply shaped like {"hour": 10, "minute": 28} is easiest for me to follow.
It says {"hour": 11, "minute": 10}
